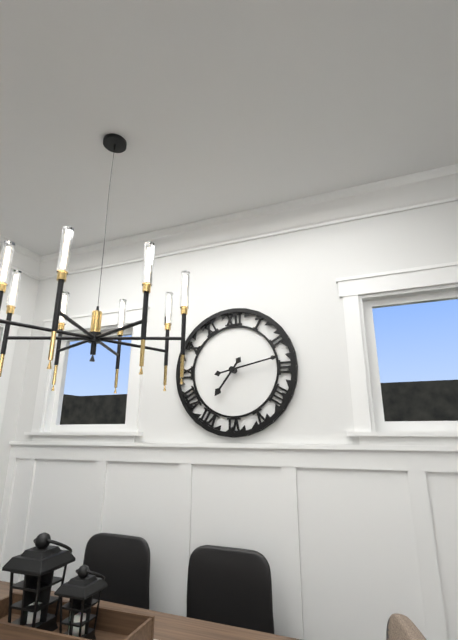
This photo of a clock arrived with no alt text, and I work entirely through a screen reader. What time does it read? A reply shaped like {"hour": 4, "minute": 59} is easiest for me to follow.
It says {"hour": 7, "minute": 13}
